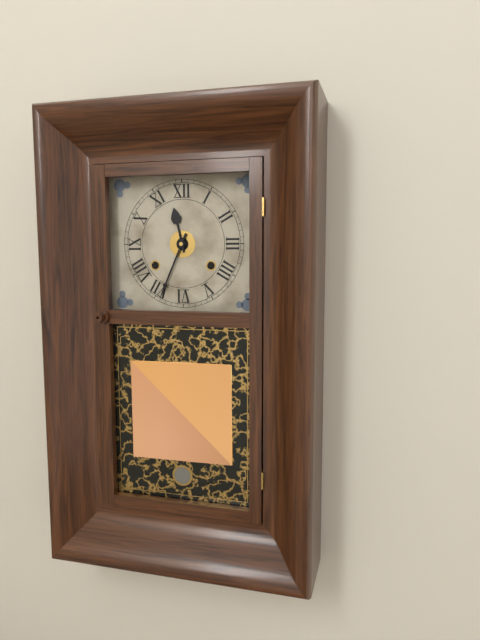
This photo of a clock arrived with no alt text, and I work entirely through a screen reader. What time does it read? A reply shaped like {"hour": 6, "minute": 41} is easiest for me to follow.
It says {"hour": 11, "minute": 34}
